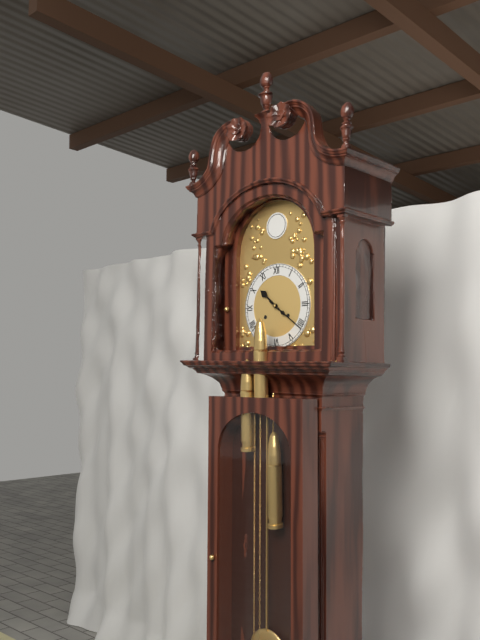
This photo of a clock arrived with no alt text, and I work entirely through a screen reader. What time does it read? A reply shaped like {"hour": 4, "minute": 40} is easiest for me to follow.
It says {"hour": 10, "minute": 21}
